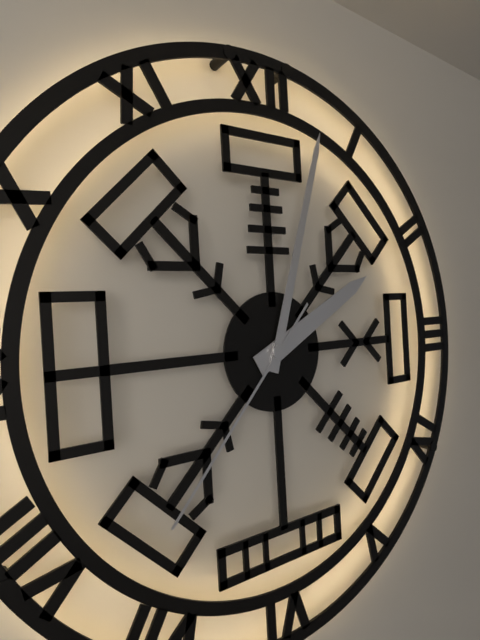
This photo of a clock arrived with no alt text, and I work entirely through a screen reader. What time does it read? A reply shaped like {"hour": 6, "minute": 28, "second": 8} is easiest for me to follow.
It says {"hour": 2, "minute": 3, "second": 37}
